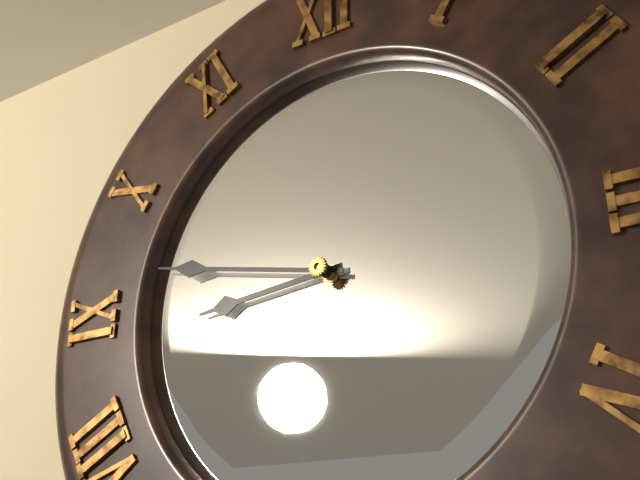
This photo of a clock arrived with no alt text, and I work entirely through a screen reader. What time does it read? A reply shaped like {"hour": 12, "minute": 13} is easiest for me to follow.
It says {"hour": 8, "minute": 47}
